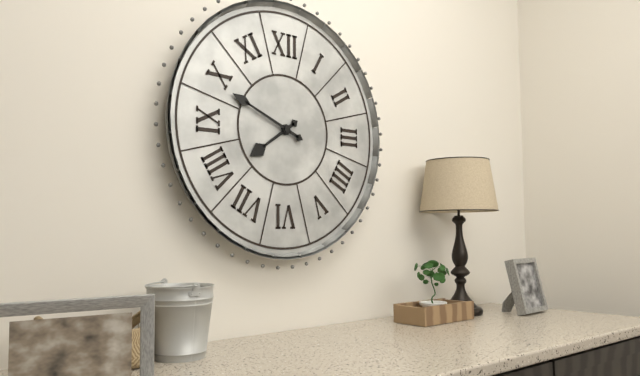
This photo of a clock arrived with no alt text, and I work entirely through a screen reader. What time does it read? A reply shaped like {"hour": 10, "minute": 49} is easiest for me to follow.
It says {"hour": 7, "minute": 49}
